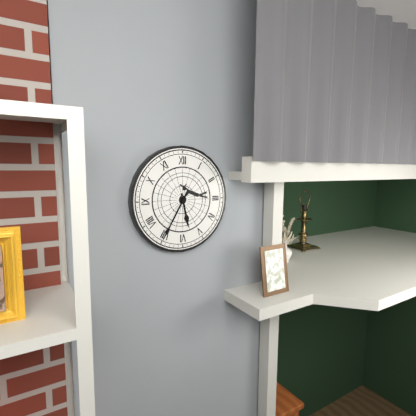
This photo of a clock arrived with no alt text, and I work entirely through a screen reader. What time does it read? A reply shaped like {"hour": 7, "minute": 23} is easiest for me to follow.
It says {"hour": 5, "minute": 35}
